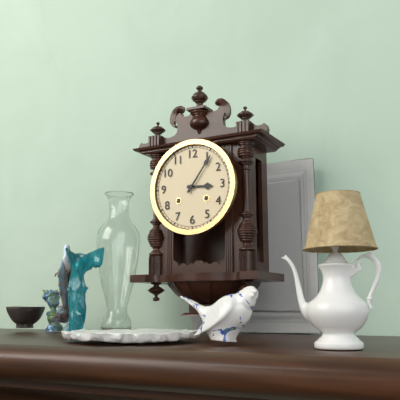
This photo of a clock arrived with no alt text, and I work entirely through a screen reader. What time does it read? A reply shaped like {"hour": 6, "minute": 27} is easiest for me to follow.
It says {"hour": 3, "minute": 6}
